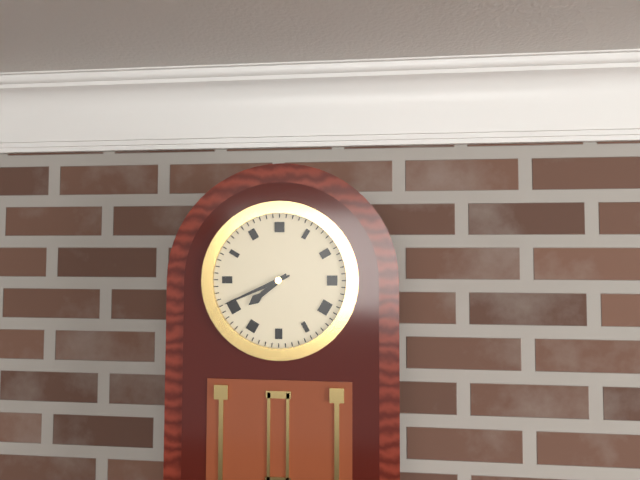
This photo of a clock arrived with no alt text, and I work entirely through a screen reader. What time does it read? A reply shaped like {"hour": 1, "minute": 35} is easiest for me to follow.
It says {"hour": 7, "minute": 41}
